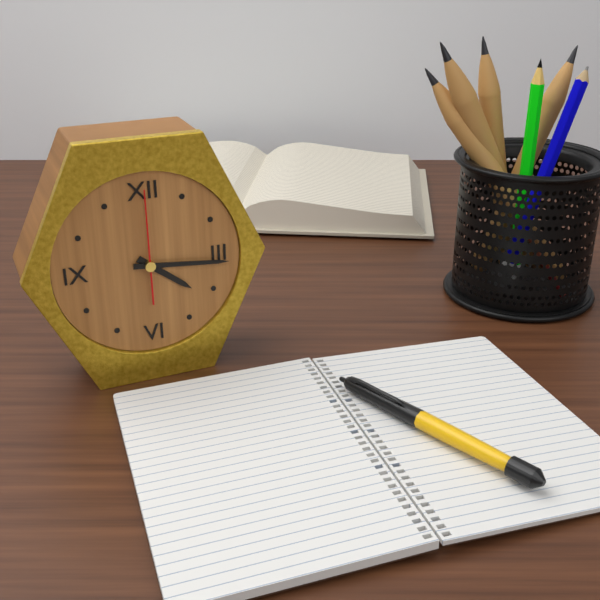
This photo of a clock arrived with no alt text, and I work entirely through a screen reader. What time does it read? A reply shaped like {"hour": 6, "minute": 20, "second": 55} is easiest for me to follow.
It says {"hour": 4, "minute": 16, "second": 0}
